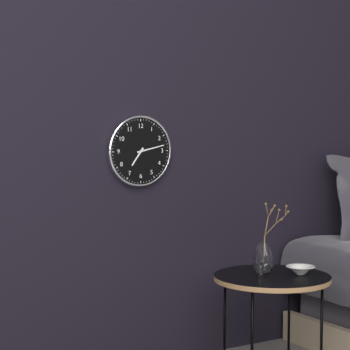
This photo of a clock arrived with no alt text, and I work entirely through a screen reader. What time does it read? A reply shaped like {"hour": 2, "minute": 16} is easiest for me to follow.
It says {"hour": 7, "minute": 13}
